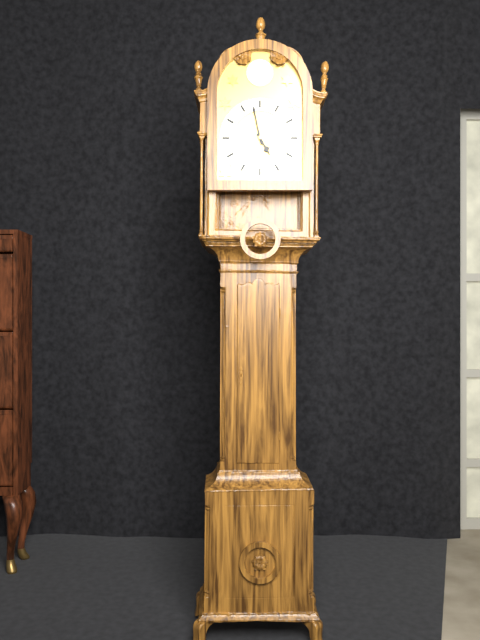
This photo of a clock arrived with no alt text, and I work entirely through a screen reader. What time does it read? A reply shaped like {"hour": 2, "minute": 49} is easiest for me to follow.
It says {"hour": 4, "minute": 58}
